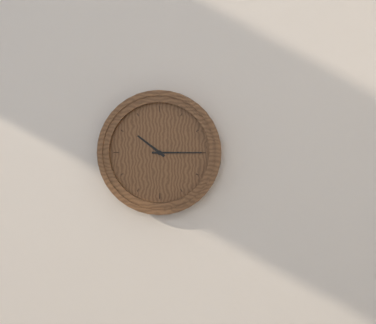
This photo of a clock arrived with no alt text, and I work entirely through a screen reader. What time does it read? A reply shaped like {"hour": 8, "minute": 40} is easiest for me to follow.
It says {"hour": 10, "minute": 15}
